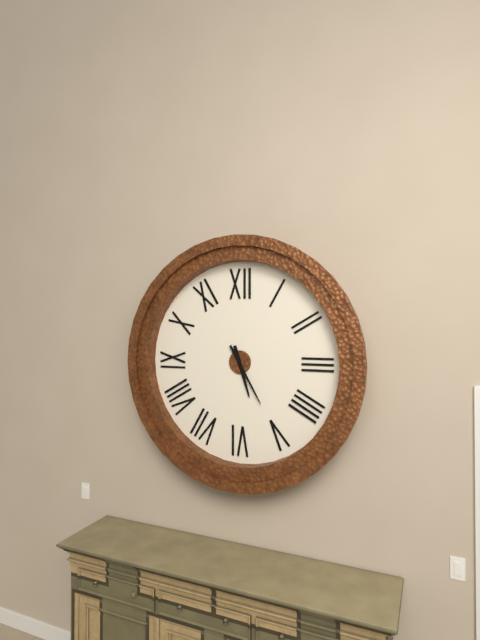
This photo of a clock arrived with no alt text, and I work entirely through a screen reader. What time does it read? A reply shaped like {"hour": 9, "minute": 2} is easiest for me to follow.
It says {"hour": 5, "minute": 25}
